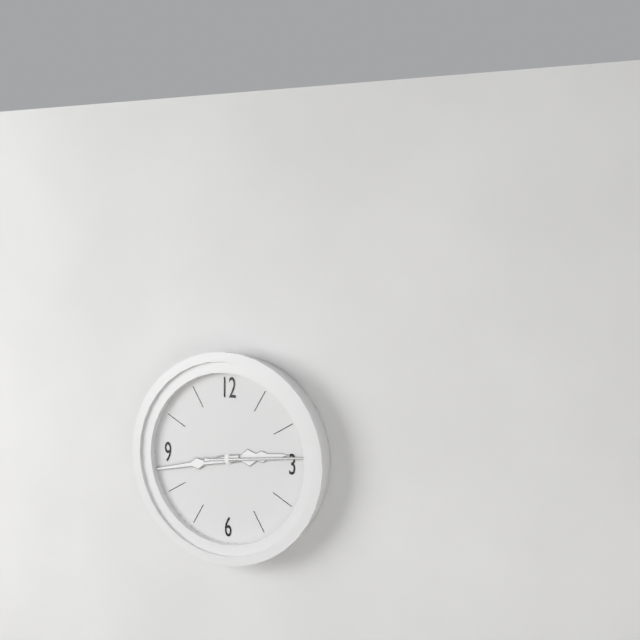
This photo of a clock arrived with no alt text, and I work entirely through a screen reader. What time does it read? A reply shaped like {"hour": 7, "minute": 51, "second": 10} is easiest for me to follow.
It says {"hour": 2, "minute": 43, "second": 14}
